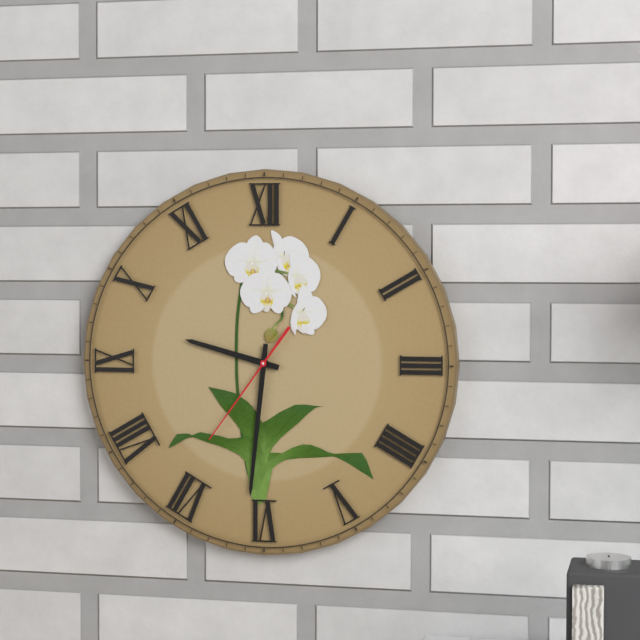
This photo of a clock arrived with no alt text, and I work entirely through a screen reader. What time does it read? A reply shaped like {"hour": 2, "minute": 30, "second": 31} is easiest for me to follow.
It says {"hour": 9, "minute": 31, "second": 36}
